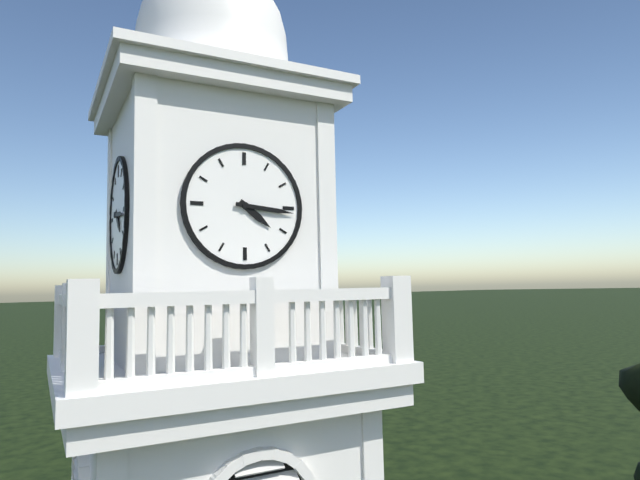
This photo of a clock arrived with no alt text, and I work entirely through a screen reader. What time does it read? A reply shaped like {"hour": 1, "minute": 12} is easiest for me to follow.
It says {"hour": 4, "minute": 16}
